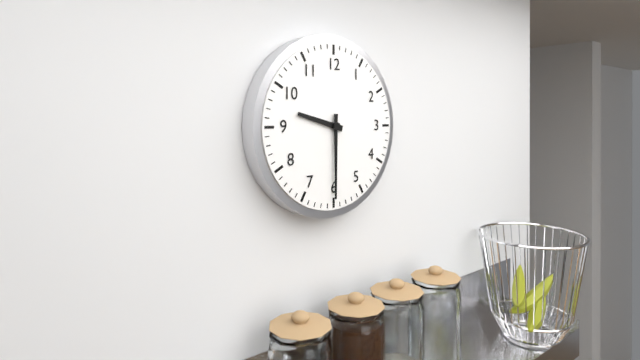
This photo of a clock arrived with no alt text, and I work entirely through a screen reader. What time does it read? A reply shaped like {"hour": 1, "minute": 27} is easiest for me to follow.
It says {"hour": 9, "minute": 30}
